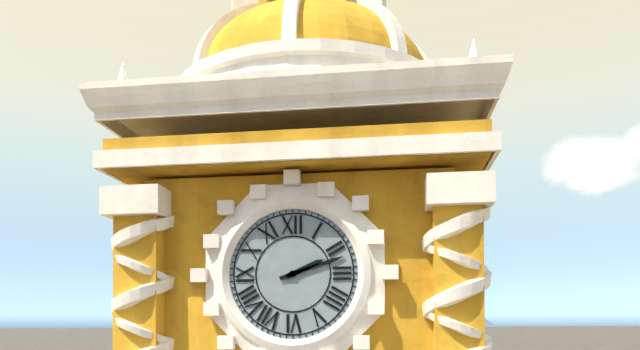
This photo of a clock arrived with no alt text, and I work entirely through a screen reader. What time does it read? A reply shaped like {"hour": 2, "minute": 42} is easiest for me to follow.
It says {"hour": 2, "minute": 12}
